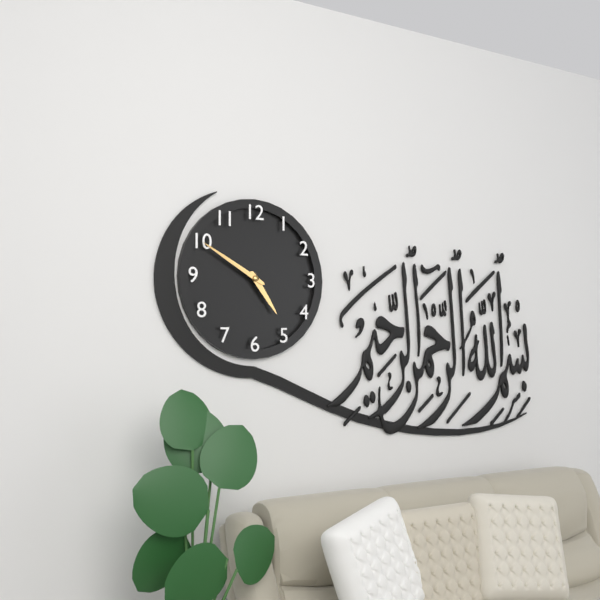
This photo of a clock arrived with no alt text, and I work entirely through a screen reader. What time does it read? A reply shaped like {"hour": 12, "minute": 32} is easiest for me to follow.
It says {"hour": 4, "minute": 50}
